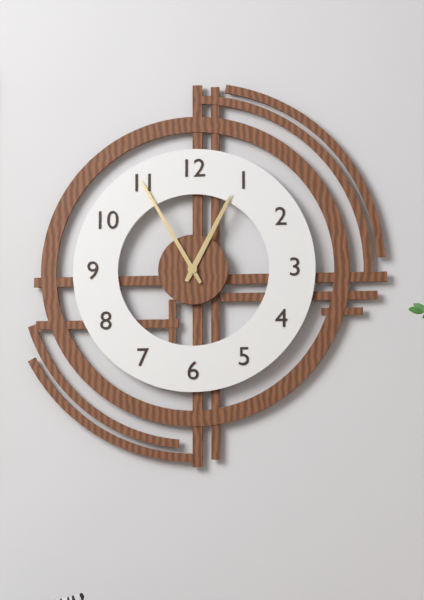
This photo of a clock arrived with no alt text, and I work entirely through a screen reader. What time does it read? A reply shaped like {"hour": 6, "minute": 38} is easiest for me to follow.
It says {"hour": 12, "minute": 55}
